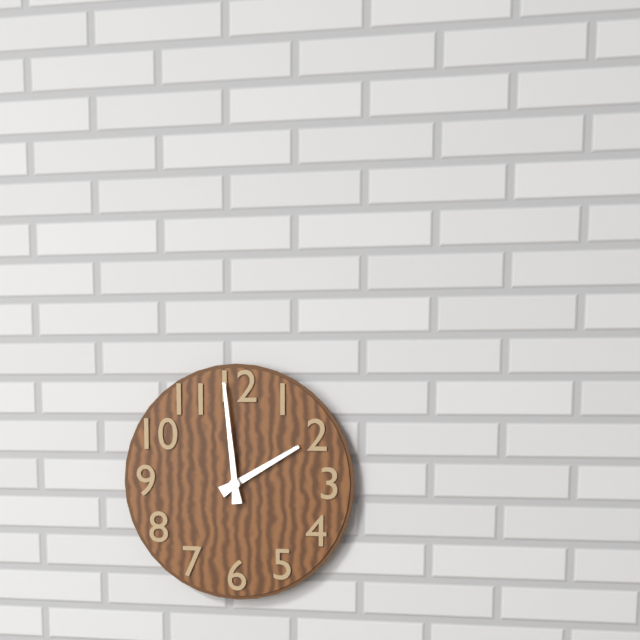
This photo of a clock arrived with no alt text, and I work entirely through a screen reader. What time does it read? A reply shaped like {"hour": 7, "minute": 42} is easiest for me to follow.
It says {"hour": 1, "minute": 59}
